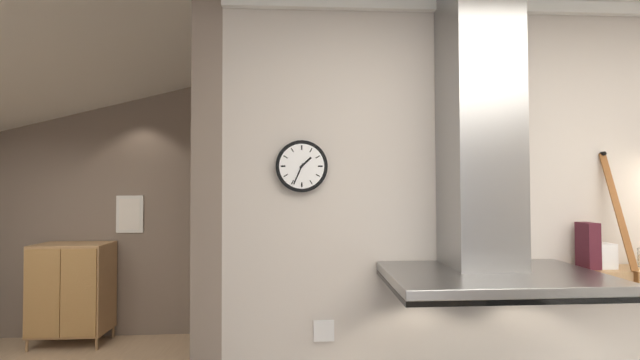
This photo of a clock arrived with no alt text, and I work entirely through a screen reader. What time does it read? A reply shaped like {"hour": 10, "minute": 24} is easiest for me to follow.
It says {"hour": 1, "minute": 34}
